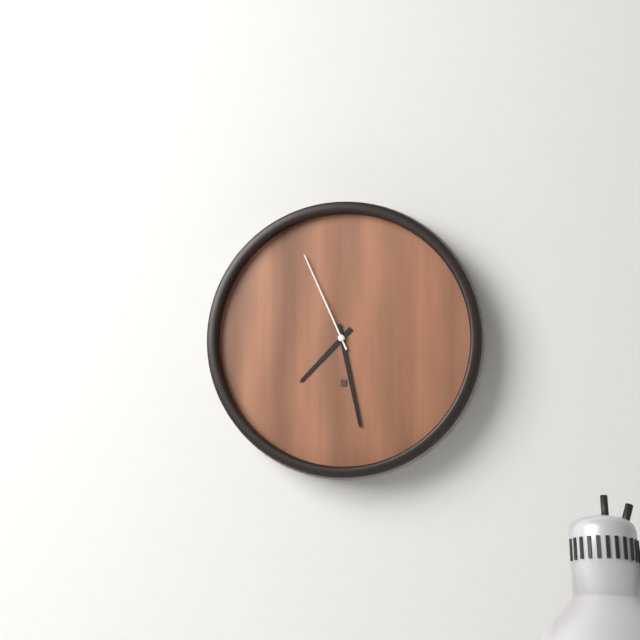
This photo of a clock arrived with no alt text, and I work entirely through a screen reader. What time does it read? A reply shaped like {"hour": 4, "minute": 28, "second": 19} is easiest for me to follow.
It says {"hour": 7, "minute": 28, "second": 56}
